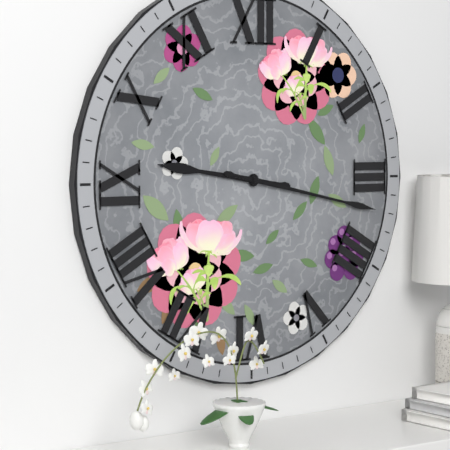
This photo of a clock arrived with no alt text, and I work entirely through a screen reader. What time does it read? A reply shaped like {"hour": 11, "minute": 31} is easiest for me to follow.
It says {"hour": 9, "minute": 17}
